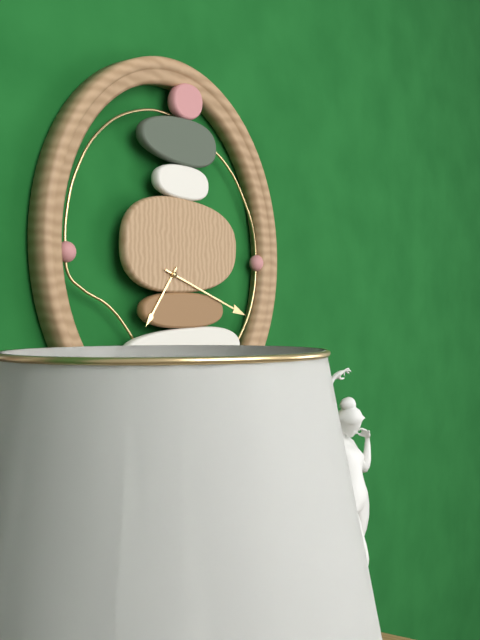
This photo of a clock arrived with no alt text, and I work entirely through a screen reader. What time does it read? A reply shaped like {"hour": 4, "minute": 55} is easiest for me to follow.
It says {"hour": 7, "minute": 18}
